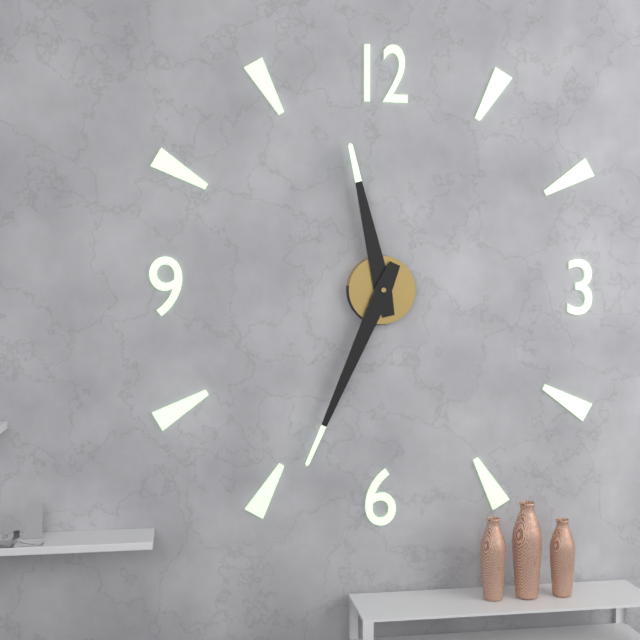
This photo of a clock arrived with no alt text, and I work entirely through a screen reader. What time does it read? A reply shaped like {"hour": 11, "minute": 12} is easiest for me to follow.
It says {"hour": 11, "minute": 34}
